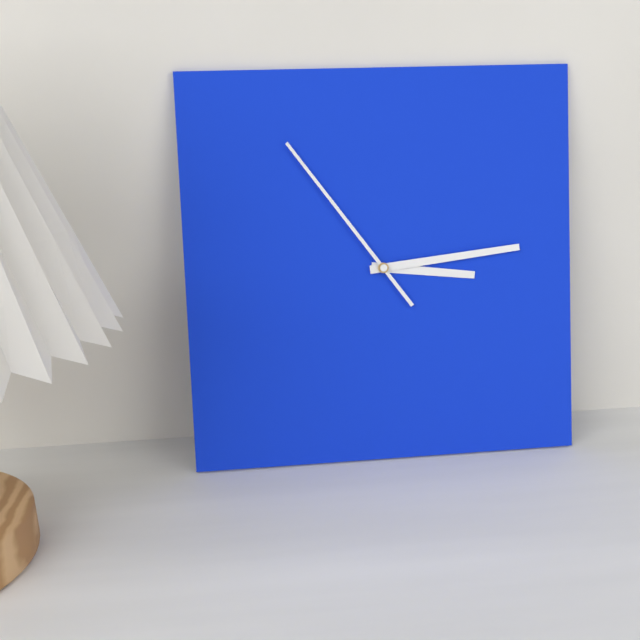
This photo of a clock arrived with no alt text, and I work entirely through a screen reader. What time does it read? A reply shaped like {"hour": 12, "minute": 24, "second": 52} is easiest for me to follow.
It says {"hour": 3, "minute": 14, "second": 54}
